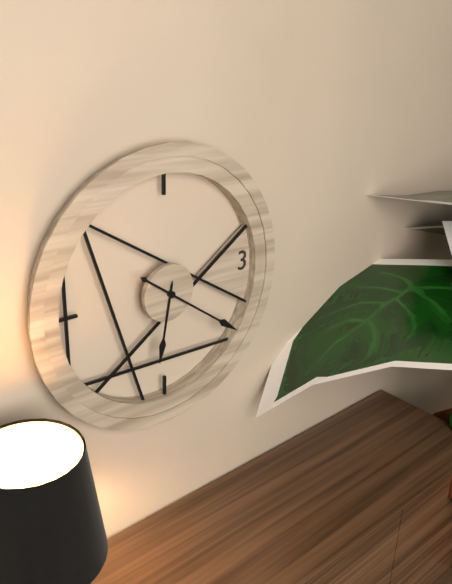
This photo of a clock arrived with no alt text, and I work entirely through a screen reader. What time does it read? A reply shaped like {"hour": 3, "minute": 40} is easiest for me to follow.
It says {"hour": 6, "minute": 21}
